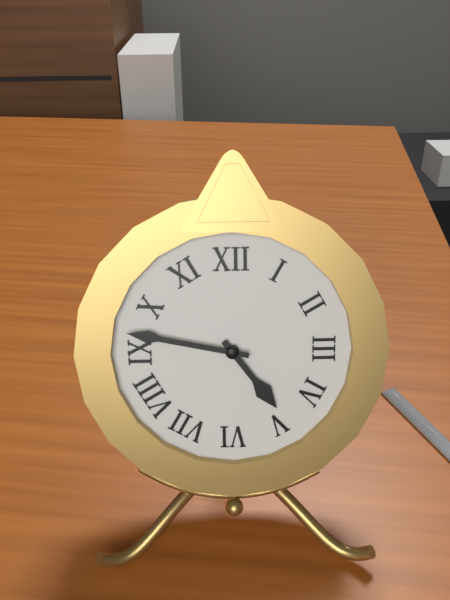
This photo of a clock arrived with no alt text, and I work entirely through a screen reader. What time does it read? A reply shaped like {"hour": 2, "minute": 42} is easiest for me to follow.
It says {"hour": 4, "minute": 47}
